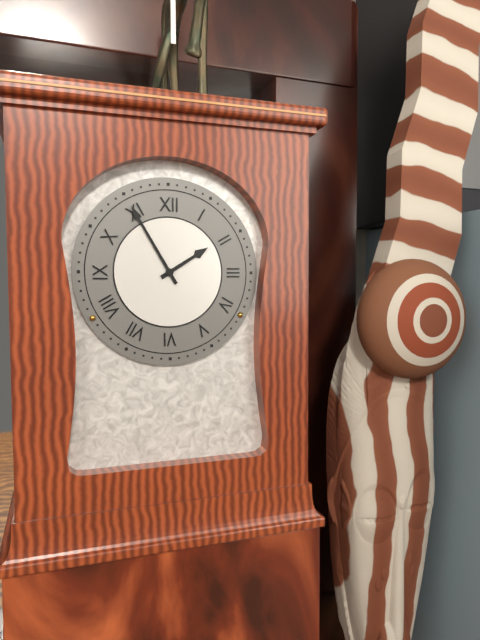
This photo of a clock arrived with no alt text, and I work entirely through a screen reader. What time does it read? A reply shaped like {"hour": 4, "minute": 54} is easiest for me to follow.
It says {"hour": 1, "minute": 55}
